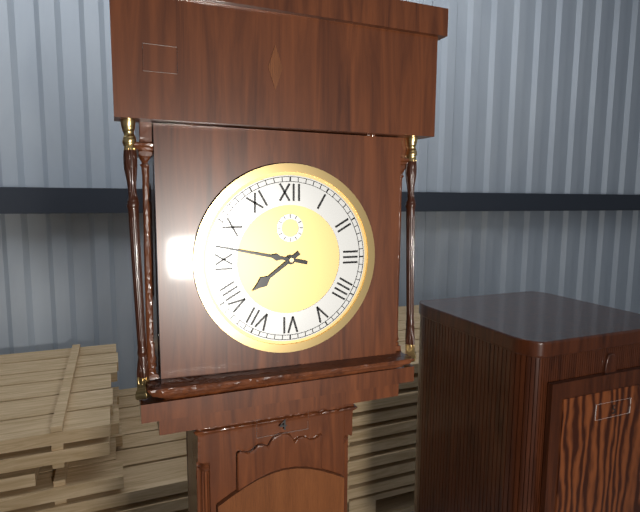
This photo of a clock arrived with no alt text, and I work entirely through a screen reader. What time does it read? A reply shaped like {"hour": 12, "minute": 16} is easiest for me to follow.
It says {"hour": 7, "minute": 47}
